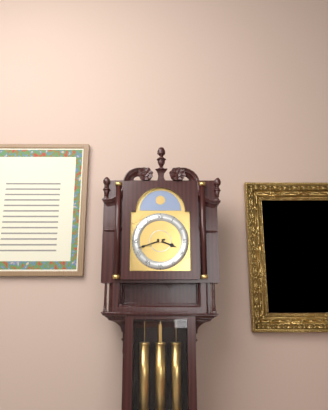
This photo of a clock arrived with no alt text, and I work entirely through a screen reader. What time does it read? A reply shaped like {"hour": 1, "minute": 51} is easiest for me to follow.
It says {"hour": 3, "minute": 42}
